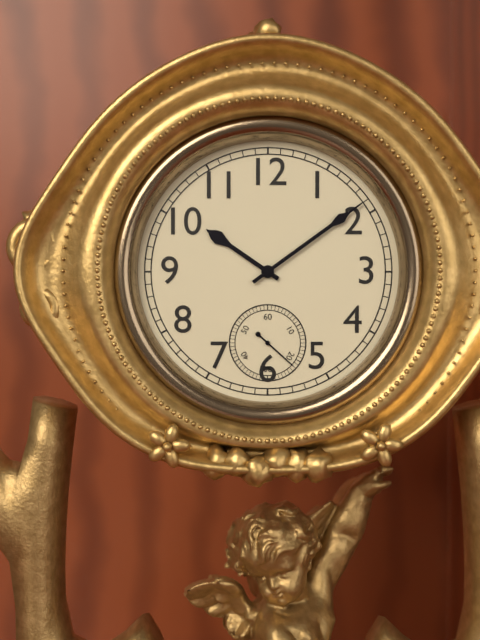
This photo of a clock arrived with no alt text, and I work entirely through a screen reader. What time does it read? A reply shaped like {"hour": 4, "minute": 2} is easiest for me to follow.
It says {"hour": 10, "minute": 9}
